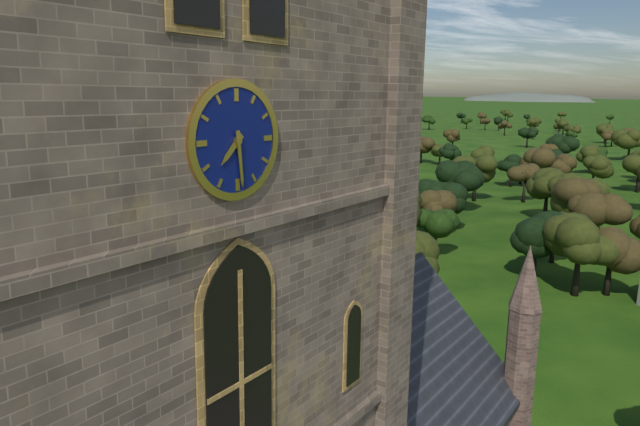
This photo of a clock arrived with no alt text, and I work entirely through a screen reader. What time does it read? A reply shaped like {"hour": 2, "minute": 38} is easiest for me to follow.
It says {"hour": 7, "minute": 29}
